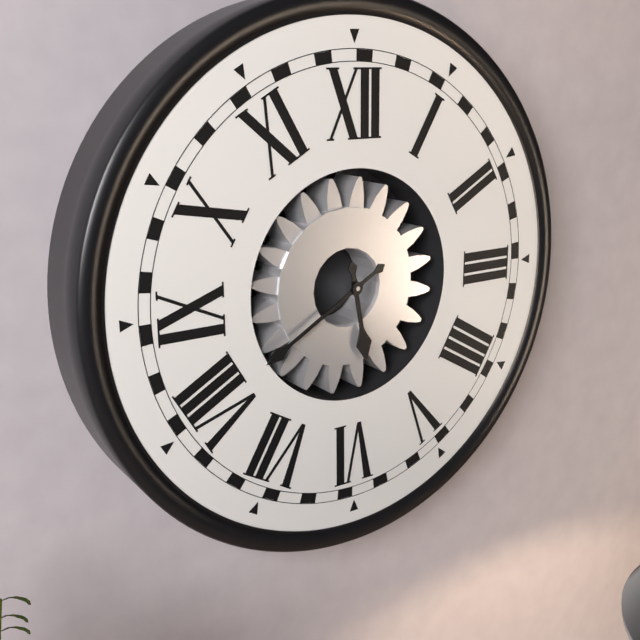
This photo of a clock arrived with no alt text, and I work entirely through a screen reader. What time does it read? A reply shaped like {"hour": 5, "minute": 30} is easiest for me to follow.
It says {"hour": 5, "minute": 40}
